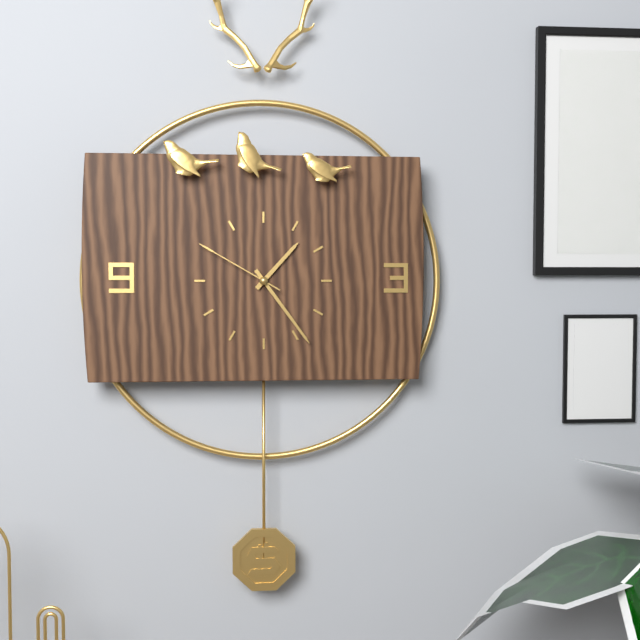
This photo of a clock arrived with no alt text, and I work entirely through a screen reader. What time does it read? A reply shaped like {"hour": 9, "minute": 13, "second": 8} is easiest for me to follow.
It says {"hour": 1, "minute": 24, "second": 50}
